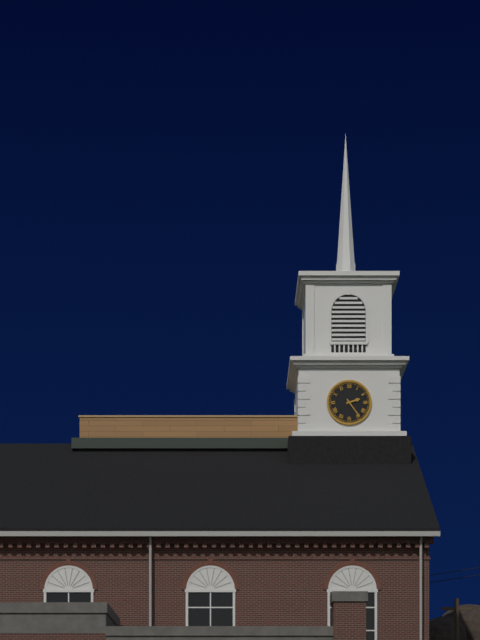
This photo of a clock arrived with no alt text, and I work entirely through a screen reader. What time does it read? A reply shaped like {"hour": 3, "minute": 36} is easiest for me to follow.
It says {"hour": 2, "minute": 24}
